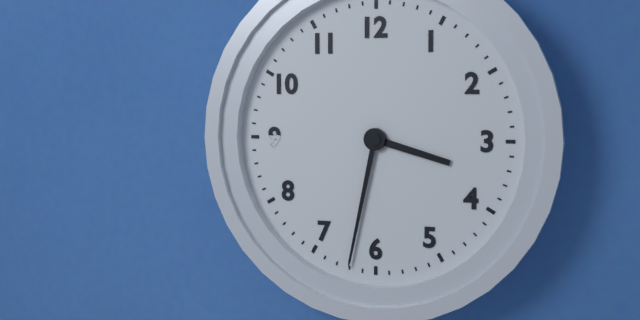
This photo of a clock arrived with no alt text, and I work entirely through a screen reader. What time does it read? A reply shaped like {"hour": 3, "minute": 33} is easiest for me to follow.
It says {"hour": 3, "minute": 32}
